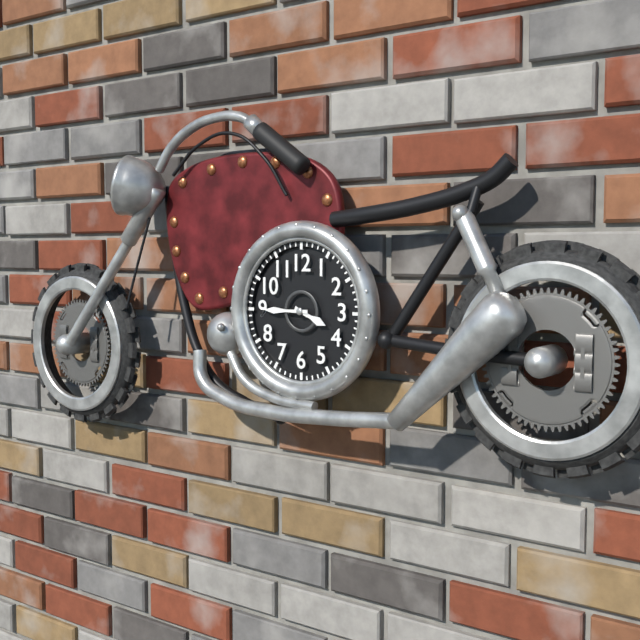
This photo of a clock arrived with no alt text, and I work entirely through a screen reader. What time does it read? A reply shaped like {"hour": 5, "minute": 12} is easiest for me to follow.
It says {"hour": 3, "minute": 45}
